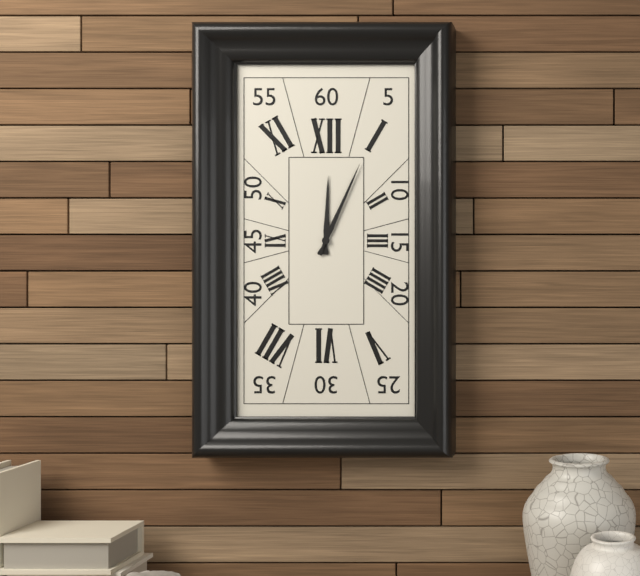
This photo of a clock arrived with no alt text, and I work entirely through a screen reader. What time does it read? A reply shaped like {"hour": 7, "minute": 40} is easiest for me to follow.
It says {"hour": 12, "minute": 4}
